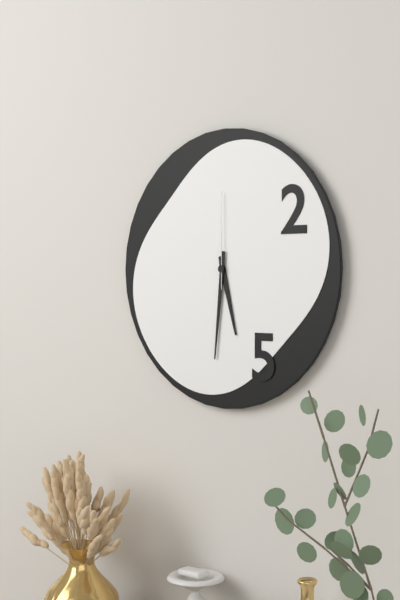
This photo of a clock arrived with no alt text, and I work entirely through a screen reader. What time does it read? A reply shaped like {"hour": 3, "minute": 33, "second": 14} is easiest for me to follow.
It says {"hour": 5, "minute": 31, "second": 0}
